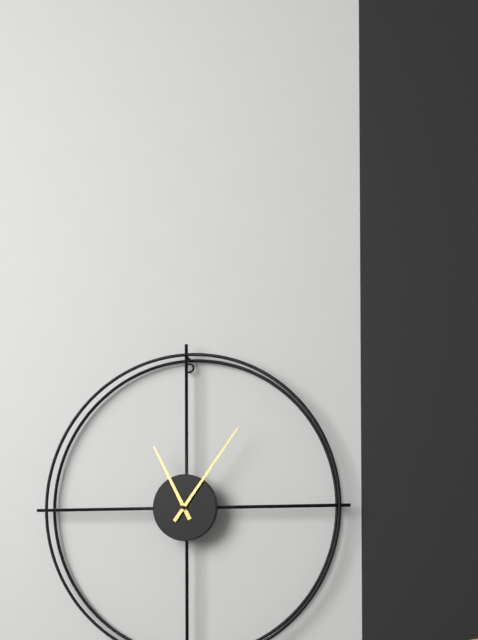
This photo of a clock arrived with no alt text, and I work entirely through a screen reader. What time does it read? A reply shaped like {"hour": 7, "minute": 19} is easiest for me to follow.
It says {"hour": 11, "minute": 6}
